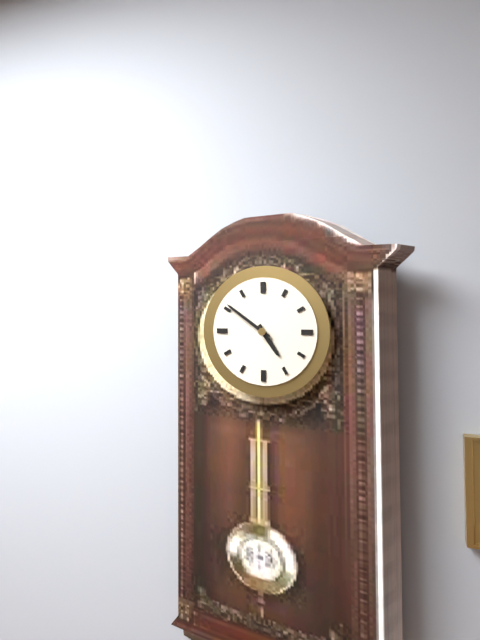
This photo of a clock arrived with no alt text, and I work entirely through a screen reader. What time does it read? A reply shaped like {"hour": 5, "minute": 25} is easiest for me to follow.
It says {"hour": 4, "minute": 51}
